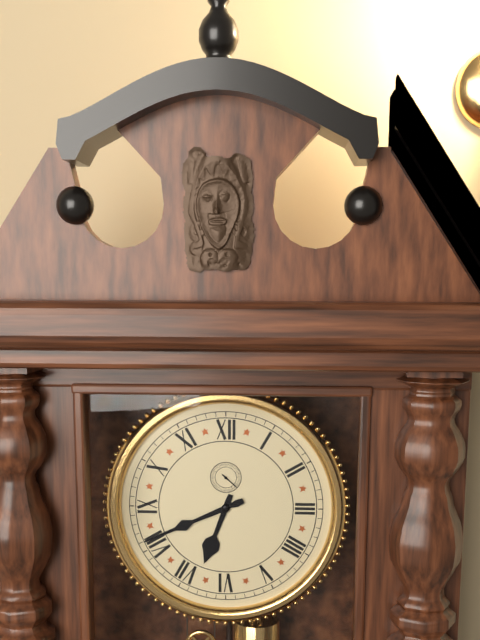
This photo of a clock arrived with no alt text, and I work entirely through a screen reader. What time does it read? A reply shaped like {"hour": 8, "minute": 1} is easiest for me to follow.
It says {"hour": 6, "minute": 41}
